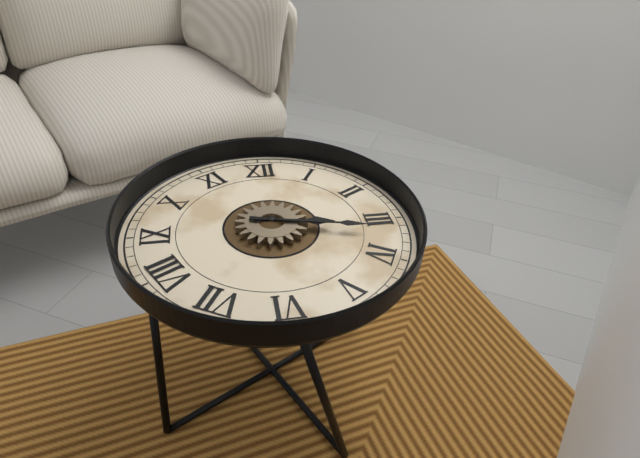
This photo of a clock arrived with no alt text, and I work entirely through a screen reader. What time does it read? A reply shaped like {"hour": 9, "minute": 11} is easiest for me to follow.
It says {"hour": 3, "minute": 17}
